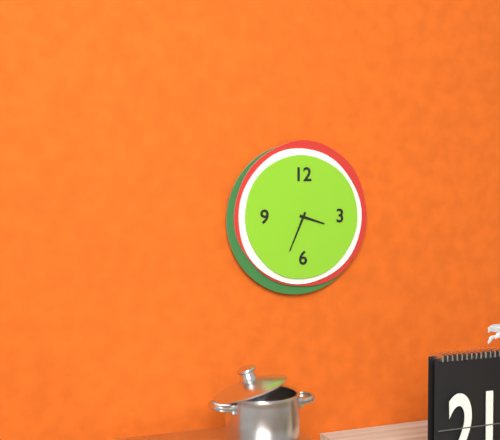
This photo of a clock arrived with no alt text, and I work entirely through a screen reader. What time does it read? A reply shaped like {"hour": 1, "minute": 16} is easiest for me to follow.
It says {"hour": 3, "minute": 34}
